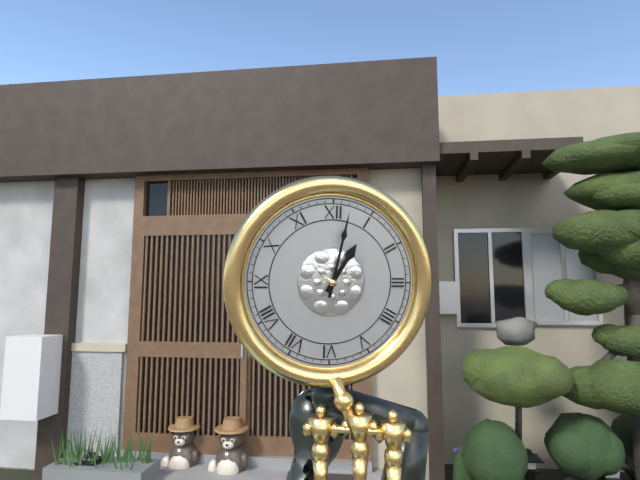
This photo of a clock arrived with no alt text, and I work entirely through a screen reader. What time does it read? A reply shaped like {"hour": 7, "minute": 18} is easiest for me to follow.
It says {"hour": 1, "minute": 2}
